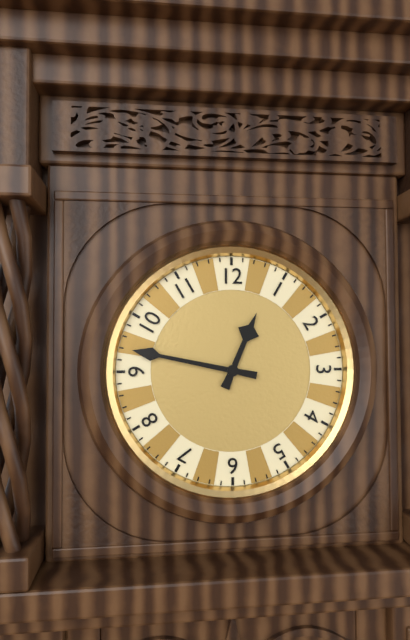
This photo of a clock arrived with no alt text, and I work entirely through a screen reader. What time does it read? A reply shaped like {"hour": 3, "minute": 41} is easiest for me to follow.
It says {"hour": 12, "minute": 47}
